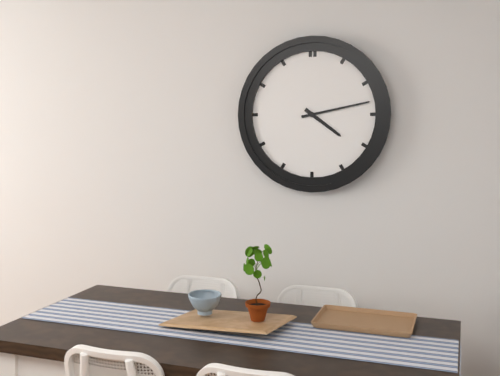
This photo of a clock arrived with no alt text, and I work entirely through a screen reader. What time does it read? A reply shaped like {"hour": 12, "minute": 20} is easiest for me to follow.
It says {"hour": 4, "minute": 13}
